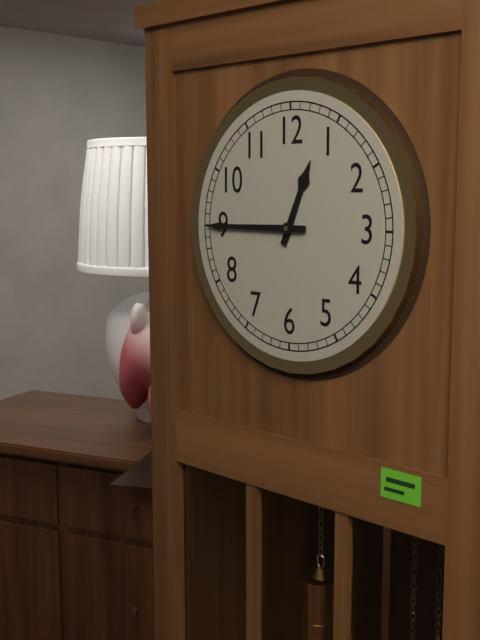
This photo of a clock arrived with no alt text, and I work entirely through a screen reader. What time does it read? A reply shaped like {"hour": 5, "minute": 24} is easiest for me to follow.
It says {"hour": 12, "minute": 45}
